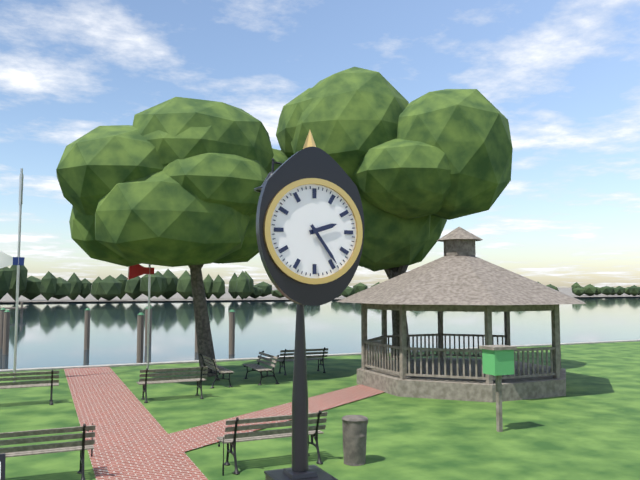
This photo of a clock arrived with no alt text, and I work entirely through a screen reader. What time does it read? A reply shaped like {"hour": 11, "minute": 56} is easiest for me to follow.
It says {"hour": 2, "minute": 24}
